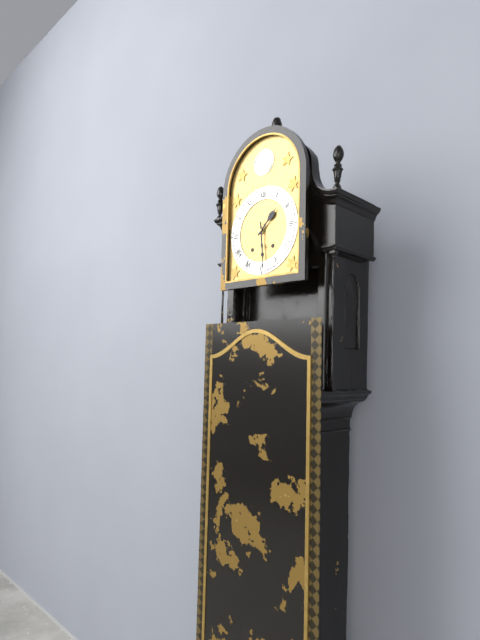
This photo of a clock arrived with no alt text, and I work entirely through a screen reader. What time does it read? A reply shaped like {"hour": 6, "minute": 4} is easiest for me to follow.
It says {"hour": 1, "minute": 29}
